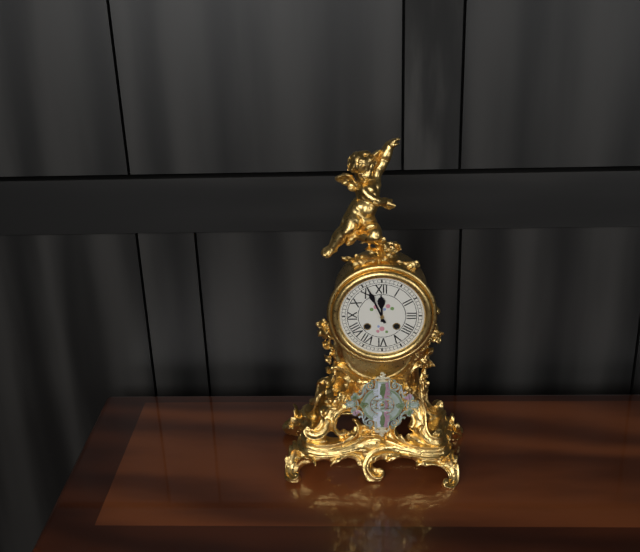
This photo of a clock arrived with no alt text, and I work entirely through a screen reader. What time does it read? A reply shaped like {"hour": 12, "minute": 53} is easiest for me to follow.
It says {"hour": 11, "minute": 56}
